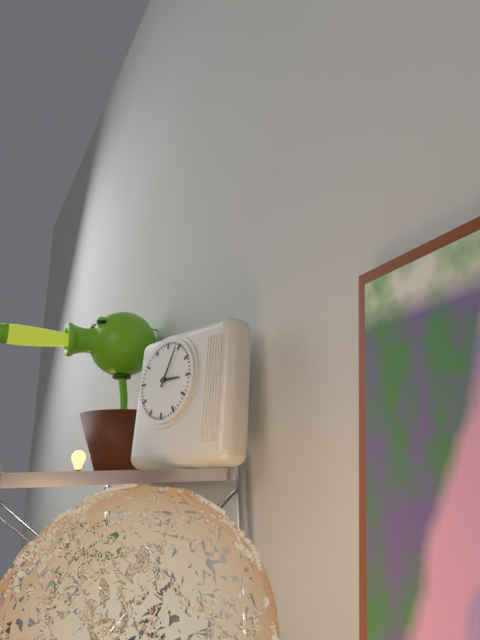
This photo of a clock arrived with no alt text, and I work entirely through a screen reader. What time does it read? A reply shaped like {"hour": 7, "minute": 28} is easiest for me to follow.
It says {"hour": 3, "minute": 4}
